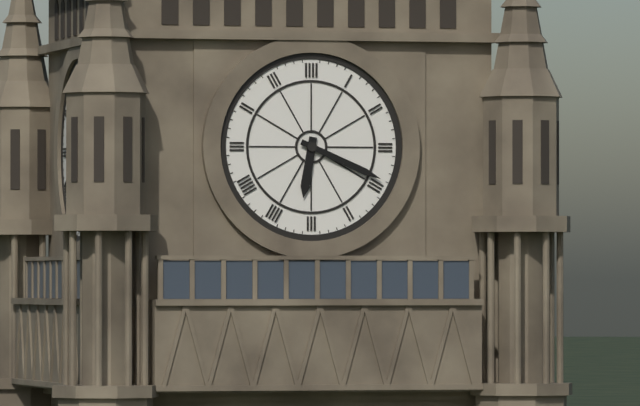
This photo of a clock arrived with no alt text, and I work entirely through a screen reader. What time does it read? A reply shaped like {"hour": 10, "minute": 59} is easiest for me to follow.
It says {"hour": 6, "minute": 19}
